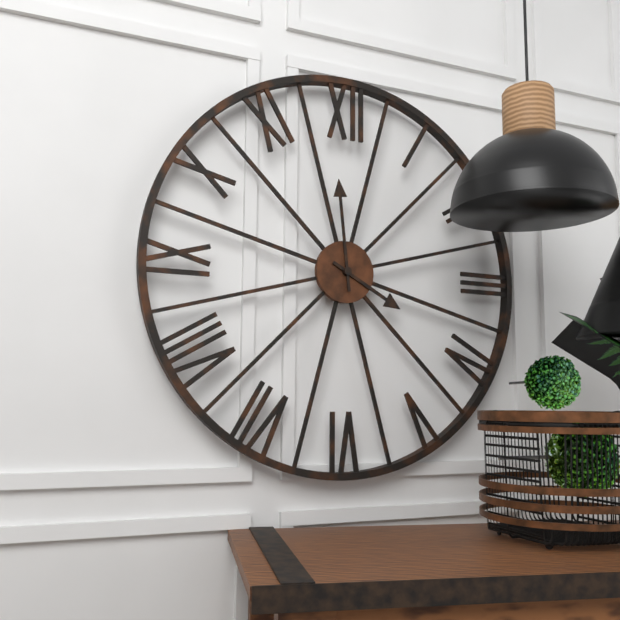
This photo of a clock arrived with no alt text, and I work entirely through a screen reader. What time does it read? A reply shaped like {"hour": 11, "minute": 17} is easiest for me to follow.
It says {"hour": 3, "minute": 59}
